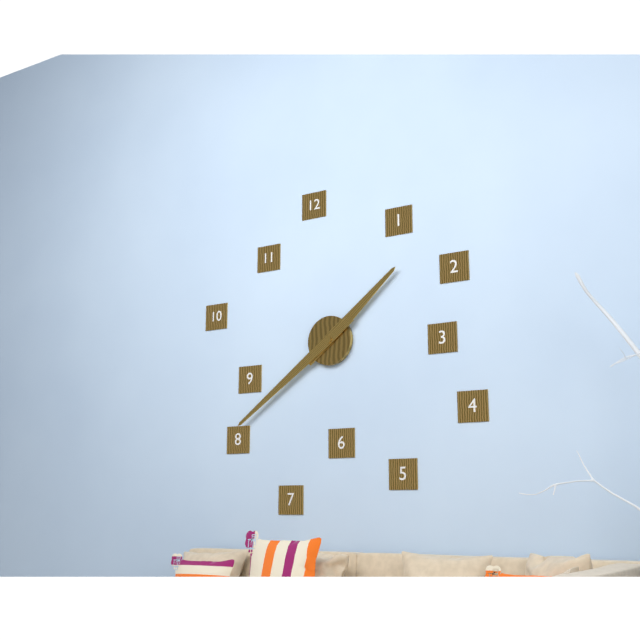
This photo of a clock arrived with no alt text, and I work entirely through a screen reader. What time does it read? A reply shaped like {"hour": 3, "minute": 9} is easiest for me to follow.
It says {"hour": 1, "minute": 39}
